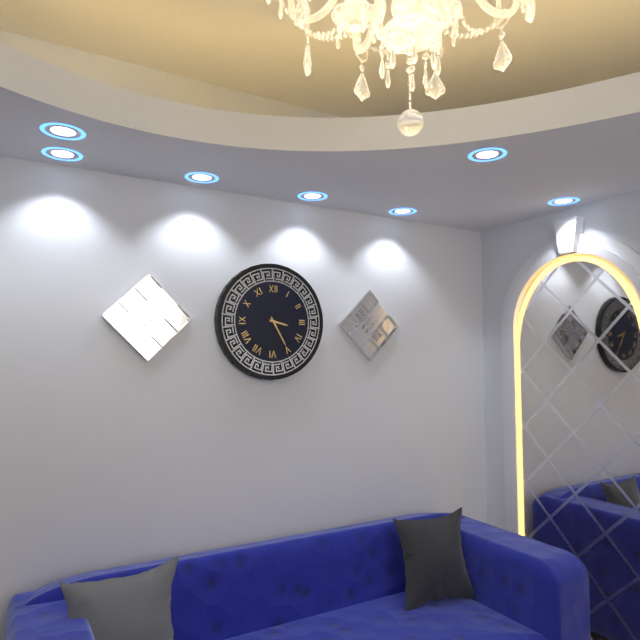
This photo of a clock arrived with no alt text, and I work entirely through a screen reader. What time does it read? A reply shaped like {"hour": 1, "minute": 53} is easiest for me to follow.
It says {"hour": 3, "minute": 25}
